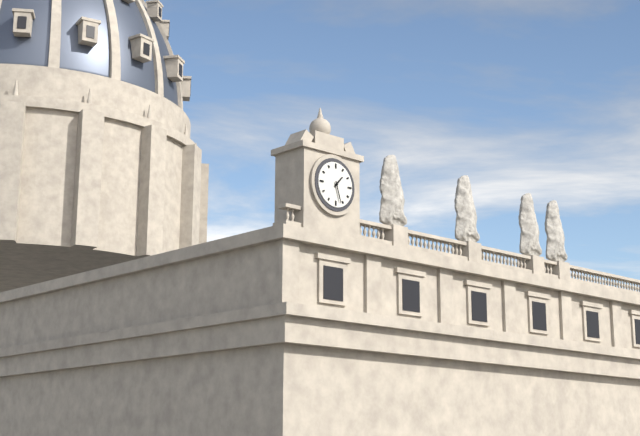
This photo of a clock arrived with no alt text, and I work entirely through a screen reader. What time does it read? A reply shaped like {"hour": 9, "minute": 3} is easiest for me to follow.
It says {"hour": 1, "minute": 27}
